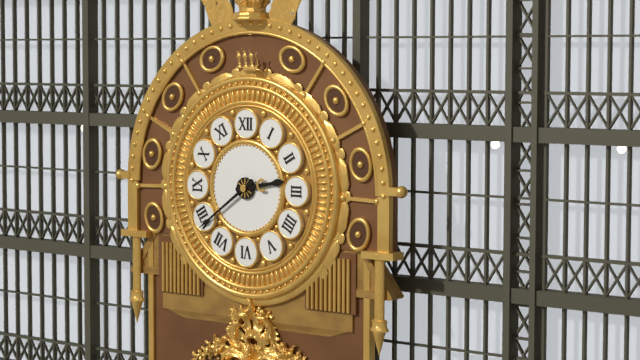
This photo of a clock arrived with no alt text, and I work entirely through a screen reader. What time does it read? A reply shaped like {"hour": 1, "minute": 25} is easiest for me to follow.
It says {"hour": 2, "minute": 39}
